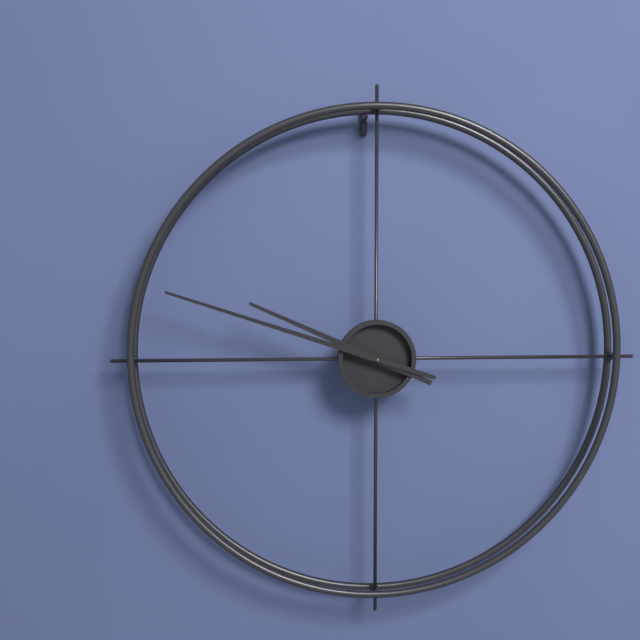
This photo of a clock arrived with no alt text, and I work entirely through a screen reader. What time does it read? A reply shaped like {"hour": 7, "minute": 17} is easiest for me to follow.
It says {"hour": 9, "minute": 48}
